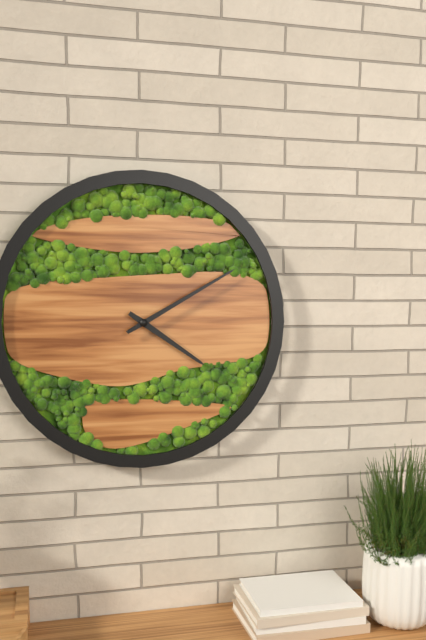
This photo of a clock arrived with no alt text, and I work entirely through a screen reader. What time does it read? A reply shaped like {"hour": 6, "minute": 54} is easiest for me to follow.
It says {"hour": 4, "minute": 10}
